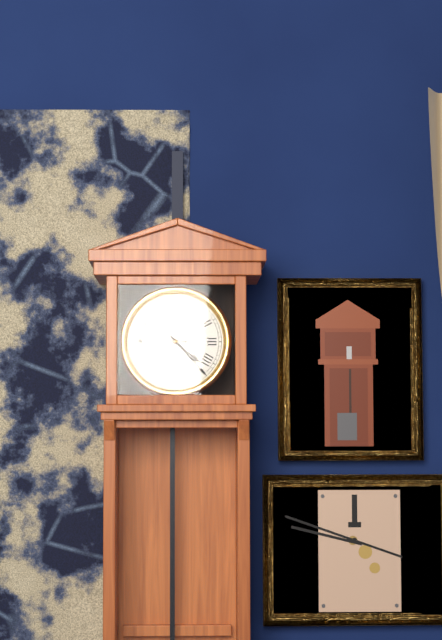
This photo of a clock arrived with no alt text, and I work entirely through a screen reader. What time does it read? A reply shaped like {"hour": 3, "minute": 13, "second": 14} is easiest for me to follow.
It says {"hour": 4, "minute": 23, "second": 45}
